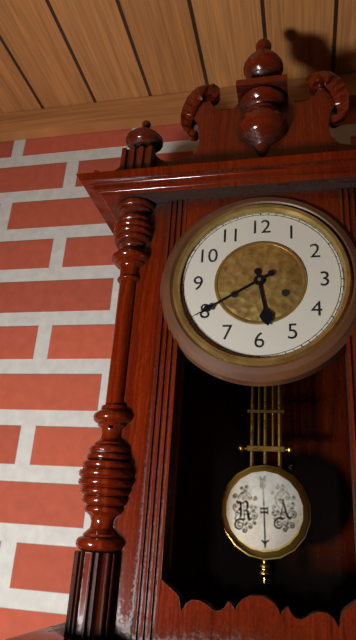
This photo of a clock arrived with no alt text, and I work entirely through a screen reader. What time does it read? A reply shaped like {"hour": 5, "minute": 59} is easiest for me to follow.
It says {"hour": 5, "minute": 40}
